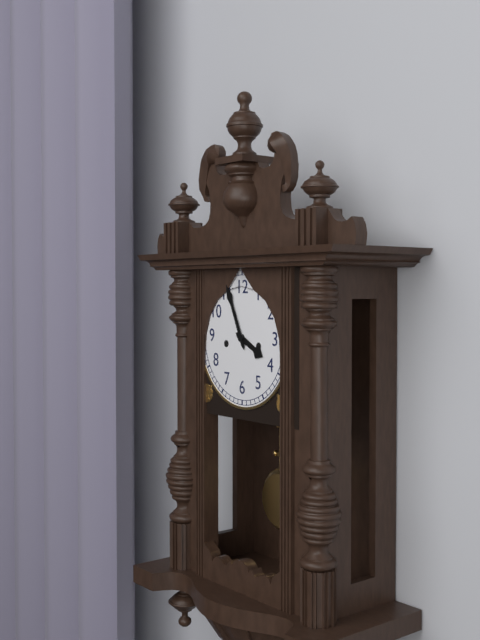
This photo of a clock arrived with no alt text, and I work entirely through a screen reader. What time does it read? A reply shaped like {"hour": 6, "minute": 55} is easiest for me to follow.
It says {"hour": 3, "minute": 56}
